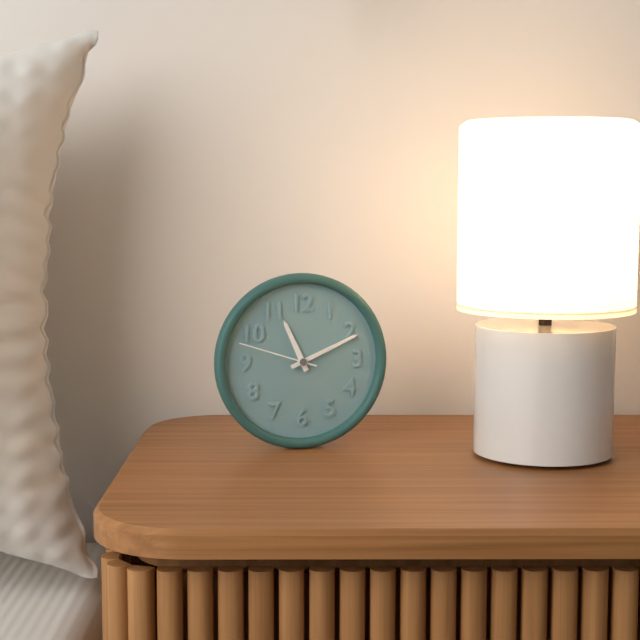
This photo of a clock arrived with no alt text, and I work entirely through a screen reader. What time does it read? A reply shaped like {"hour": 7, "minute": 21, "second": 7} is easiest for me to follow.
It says {"hour": 11, "minute": 11, "second": 48}
